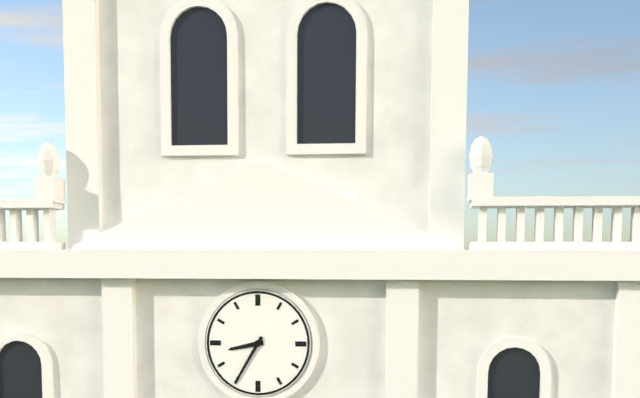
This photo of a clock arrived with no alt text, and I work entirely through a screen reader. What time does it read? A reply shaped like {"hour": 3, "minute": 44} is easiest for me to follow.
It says {"hour": 8, "minute": 35}
